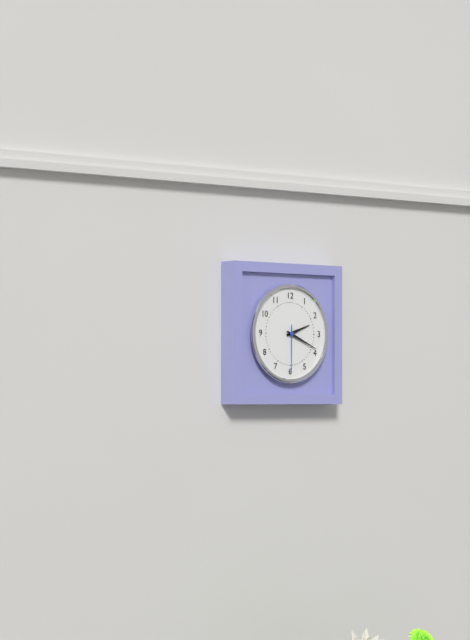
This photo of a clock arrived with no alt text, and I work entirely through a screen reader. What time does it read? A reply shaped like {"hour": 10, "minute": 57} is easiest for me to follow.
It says {"hour": 2, "minute": 19}
